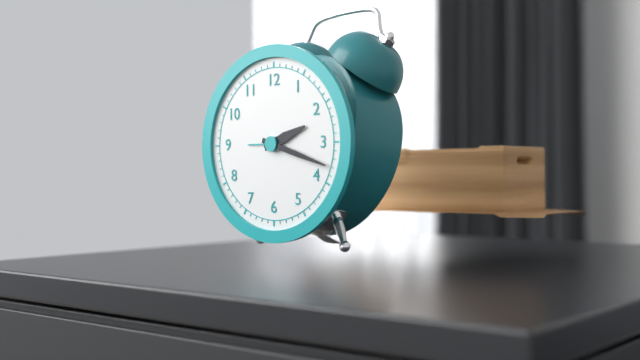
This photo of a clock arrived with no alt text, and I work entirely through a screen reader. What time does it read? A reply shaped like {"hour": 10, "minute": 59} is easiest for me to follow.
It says {"hour": 2, "minute": 18}
